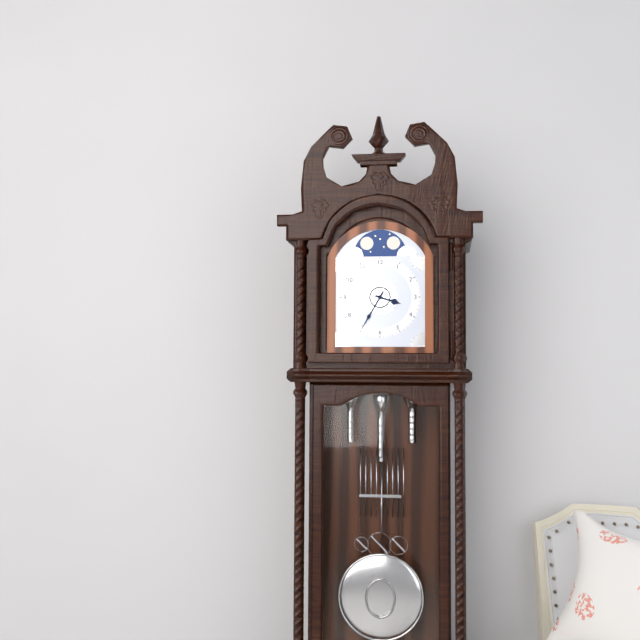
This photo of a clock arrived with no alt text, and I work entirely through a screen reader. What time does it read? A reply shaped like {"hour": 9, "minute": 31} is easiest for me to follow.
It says {"hour": 3, "minute": 35}
